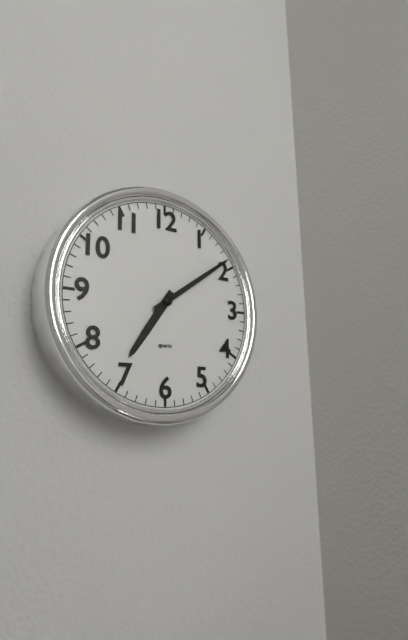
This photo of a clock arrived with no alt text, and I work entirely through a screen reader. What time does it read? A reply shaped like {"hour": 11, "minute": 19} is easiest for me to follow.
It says {"hour": 7, "minute": 9}
